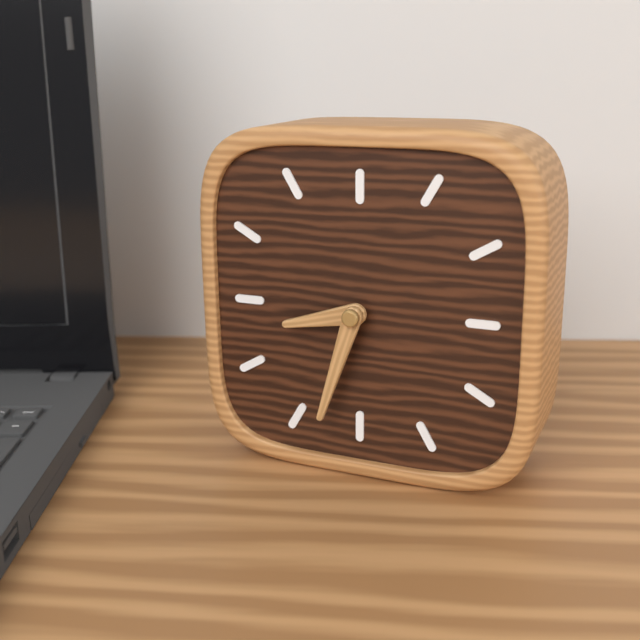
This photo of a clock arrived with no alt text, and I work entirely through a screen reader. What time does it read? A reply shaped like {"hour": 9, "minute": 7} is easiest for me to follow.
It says {"hour": 8, "minute": 33}
